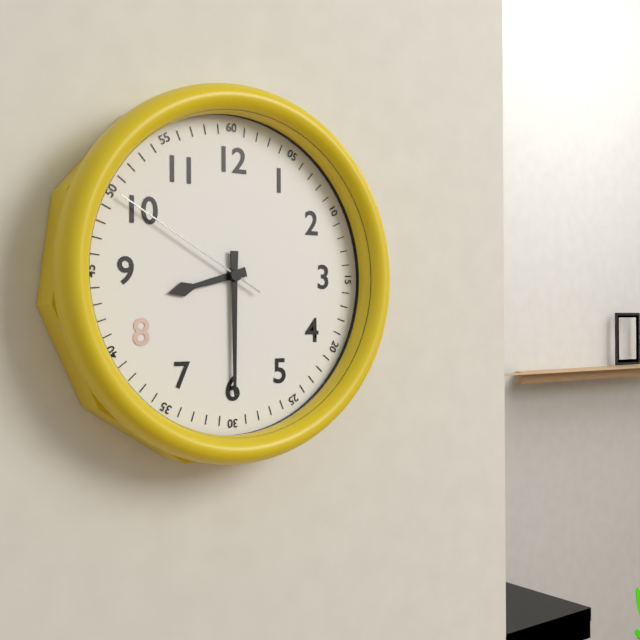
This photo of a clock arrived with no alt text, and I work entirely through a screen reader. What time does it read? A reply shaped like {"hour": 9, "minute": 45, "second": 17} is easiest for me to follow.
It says {"hour": 8, "minute": 30, "second": 50}
